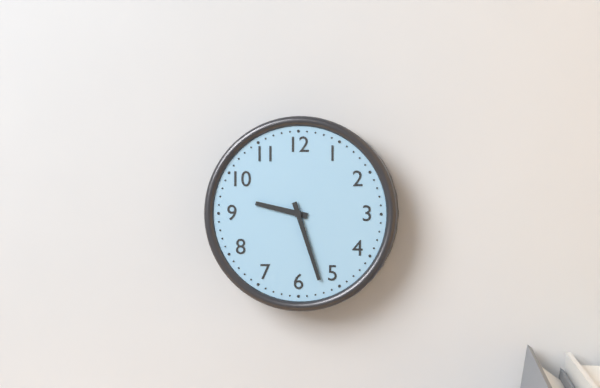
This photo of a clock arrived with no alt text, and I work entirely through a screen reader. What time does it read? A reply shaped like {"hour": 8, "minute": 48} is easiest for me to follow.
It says {"hour": 9, "minute": 27}
